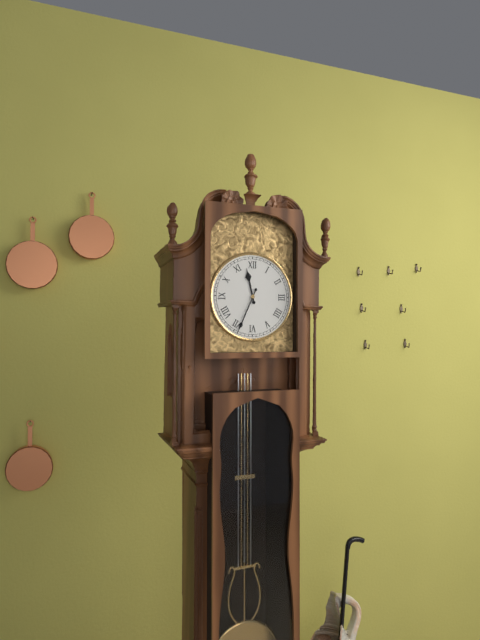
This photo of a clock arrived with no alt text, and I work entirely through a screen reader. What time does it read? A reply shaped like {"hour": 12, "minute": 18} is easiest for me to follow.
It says {"hour": 11, "minute": 34}
